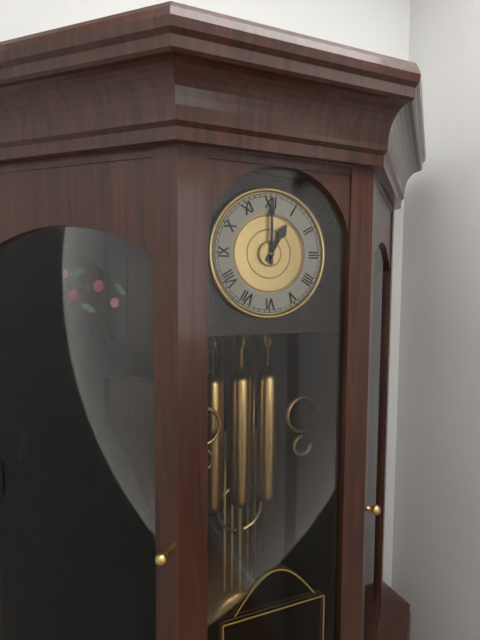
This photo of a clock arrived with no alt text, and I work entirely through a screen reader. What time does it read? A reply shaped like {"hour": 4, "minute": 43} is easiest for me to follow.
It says {"hour": 1, "minute": 0}
